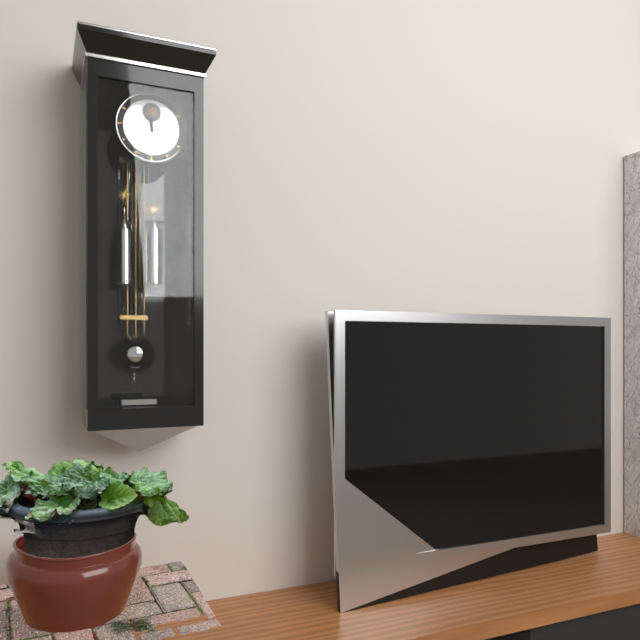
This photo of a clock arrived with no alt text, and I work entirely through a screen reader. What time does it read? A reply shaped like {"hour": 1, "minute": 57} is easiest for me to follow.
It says {"hour": 11, "minute": 58}
